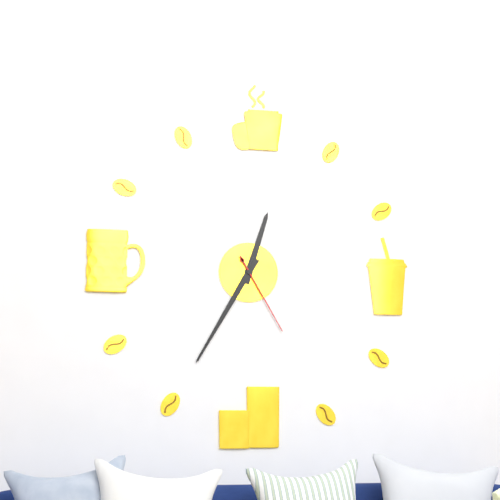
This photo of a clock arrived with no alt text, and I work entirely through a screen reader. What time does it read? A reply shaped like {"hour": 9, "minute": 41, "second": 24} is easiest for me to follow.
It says {"hour": 12, "minute": 35, "second": 25}
